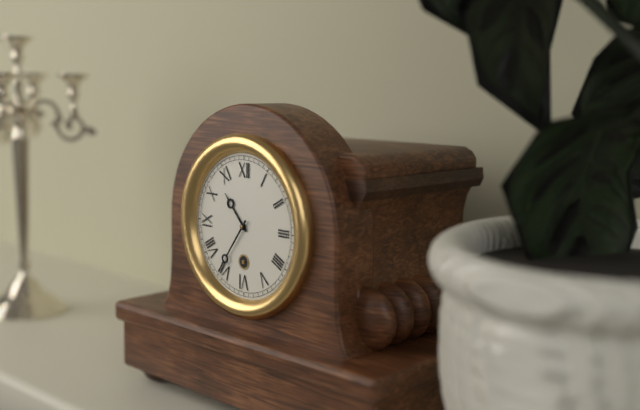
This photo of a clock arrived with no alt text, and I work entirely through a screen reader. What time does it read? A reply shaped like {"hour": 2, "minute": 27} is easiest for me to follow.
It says {"hour": 10, "minute": 36}
